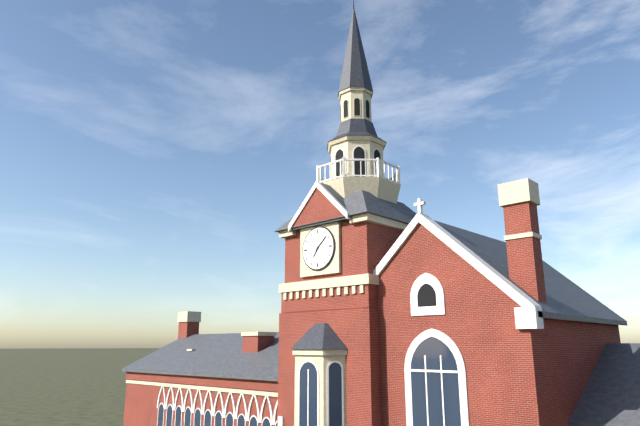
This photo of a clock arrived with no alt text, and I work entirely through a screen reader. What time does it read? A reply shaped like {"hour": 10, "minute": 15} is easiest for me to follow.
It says {"hour": 7, "minute": 8}
